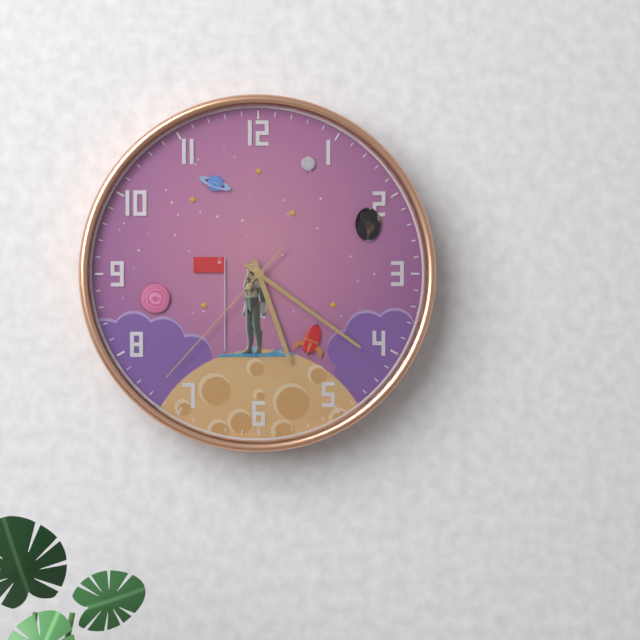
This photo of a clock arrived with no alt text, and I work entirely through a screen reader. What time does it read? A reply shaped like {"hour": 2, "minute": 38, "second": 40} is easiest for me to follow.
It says {"hour": 5, "minute": 21, "second": 37}
